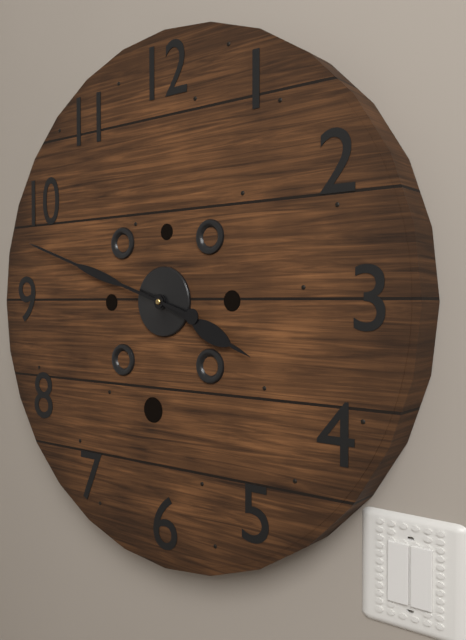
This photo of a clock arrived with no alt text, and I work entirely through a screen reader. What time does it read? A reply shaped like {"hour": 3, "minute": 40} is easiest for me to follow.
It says {"hour": 3, "minute": 48}
